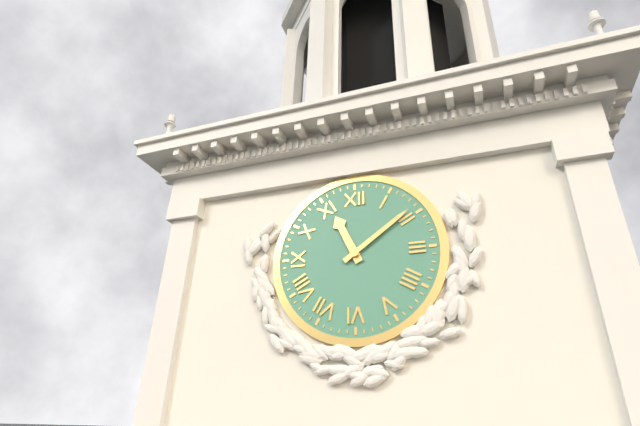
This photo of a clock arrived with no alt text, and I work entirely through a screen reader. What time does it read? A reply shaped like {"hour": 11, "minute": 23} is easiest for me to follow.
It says {"hour": 11, "minute": 9}
